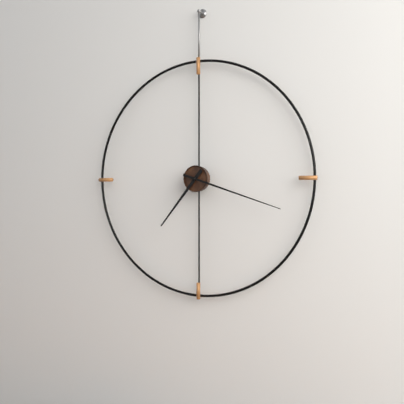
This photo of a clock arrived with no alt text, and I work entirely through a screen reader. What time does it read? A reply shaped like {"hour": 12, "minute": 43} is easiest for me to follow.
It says {"hour": 7, "minute": 18}
